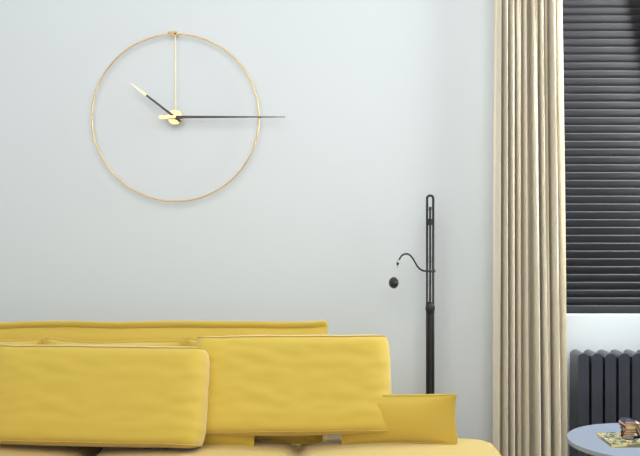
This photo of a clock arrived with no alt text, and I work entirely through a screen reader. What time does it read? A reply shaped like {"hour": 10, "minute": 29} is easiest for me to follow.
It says {"hour": 10, "minute": 15}
